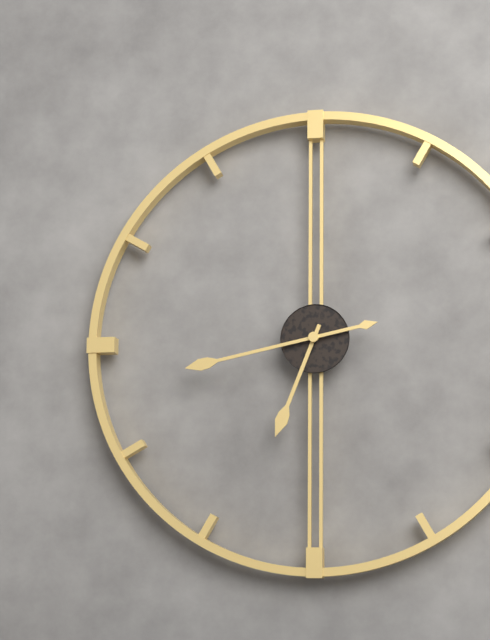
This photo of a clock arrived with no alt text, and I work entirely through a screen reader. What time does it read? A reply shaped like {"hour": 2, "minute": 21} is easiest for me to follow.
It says {"hour": 6, "minute": 43}
